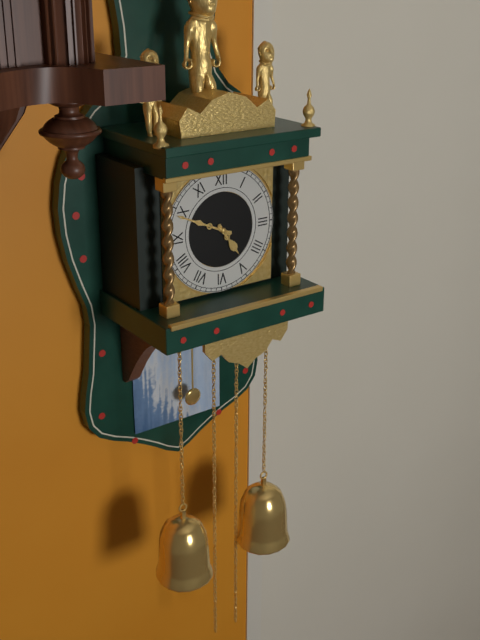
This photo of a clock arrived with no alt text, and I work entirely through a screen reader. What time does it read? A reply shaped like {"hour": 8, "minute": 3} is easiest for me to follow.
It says {"hour": 4, "minute": 49}
